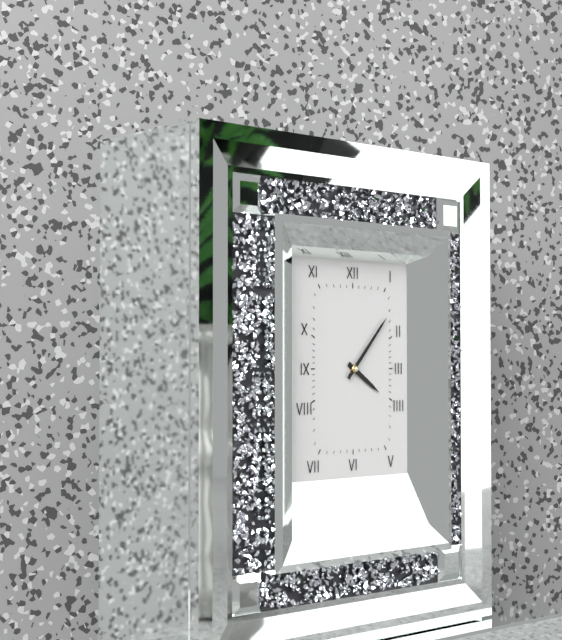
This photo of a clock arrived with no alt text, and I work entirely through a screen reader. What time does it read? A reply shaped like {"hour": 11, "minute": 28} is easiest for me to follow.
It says {"hour": 4, "minute": 7}
